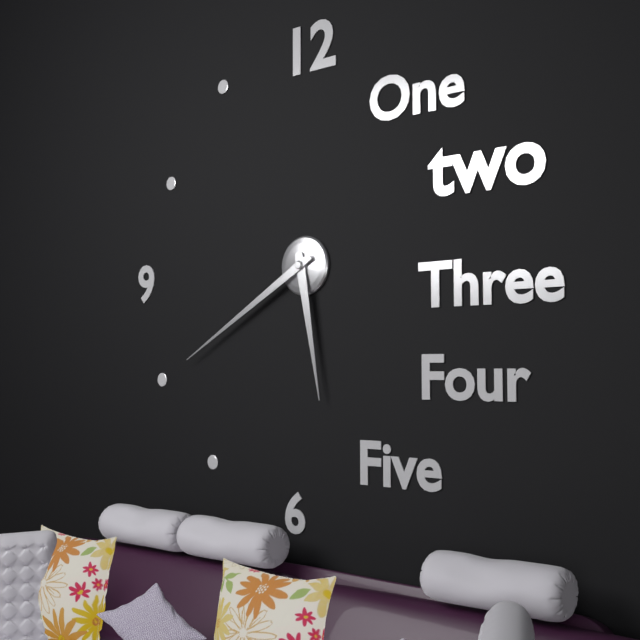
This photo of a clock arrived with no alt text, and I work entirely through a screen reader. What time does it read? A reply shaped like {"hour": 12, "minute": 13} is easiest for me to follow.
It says {"hour": 5, "minute": 40}
